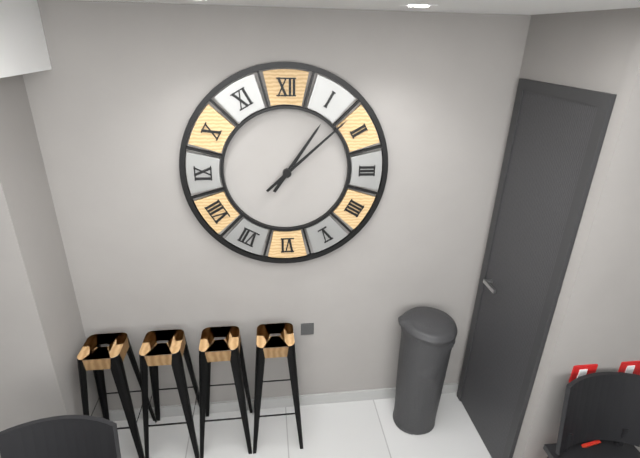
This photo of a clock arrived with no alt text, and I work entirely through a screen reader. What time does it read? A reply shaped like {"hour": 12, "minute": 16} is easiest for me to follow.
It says {"hour": 1, "minute": 8}
